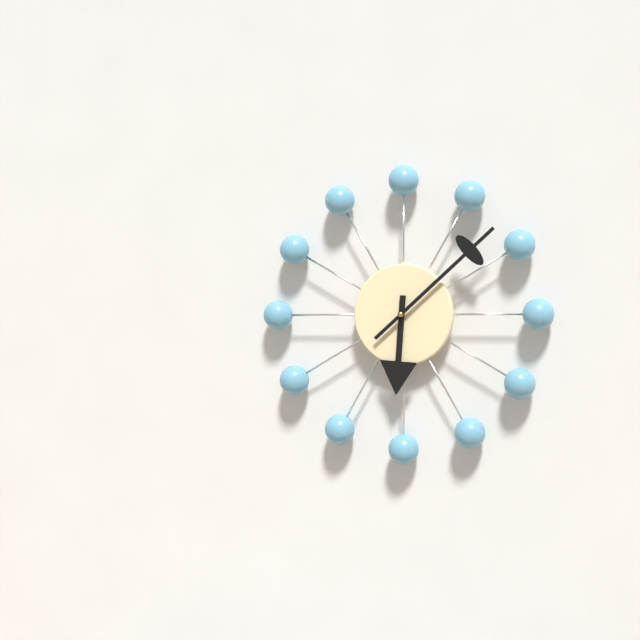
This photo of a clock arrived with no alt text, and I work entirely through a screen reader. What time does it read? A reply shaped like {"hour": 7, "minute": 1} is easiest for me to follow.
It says {"hour": 6, "minute": 8}
